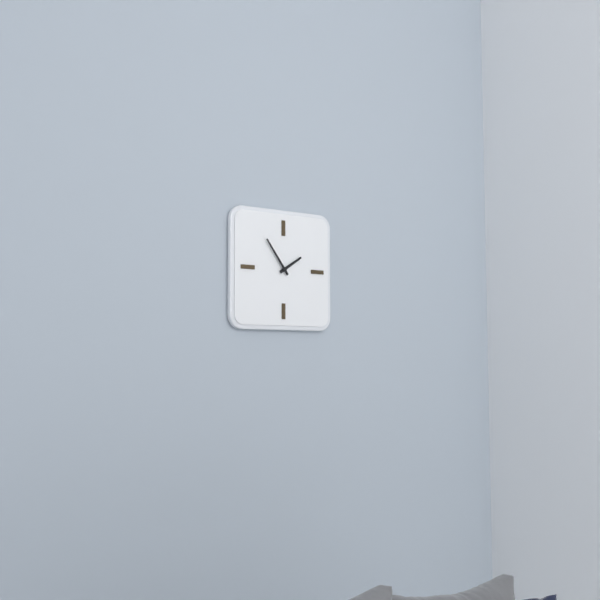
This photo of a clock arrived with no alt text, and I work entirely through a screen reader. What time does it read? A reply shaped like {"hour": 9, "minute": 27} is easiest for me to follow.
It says {"hour": 1, "minute": 54}
